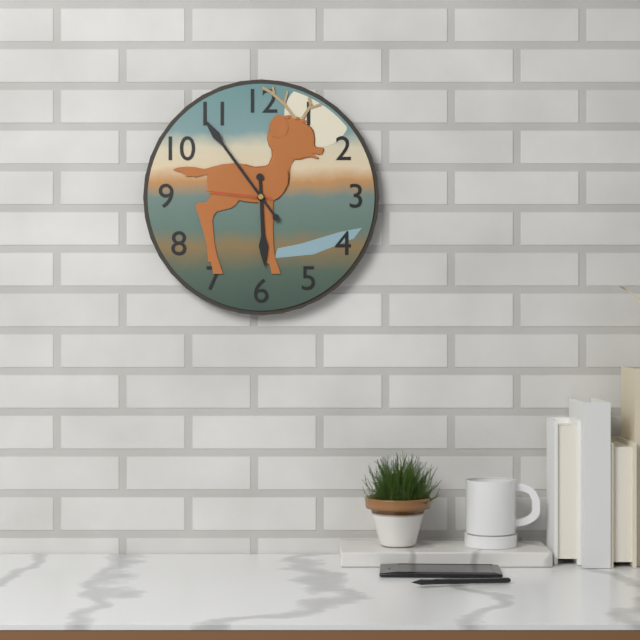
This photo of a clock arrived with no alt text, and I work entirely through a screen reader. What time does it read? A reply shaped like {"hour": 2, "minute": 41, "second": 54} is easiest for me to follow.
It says {"hour": 5, "minute": 54, "second": 46}
